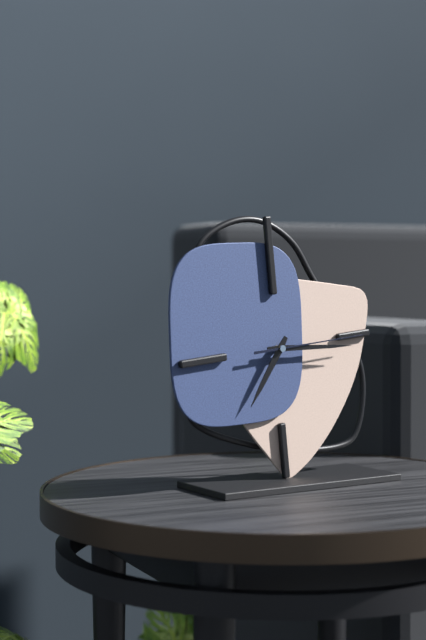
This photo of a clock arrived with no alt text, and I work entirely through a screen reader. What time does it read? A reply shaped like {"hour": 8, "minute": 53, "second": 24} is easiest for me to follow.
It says {"hour": 7, "minute": 16, "second": 15}
